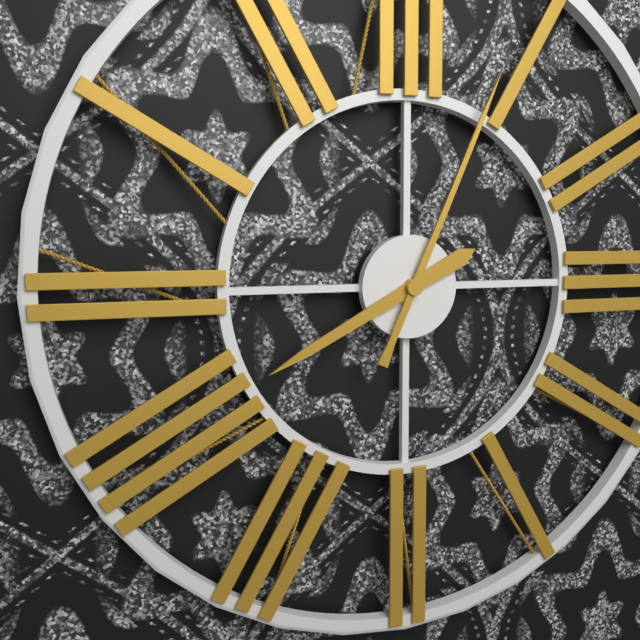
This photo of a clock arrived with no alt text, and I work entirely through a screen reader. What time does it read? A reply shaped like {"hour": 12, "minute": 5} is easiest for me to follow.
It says {"hour": 8, "minute": 4}
